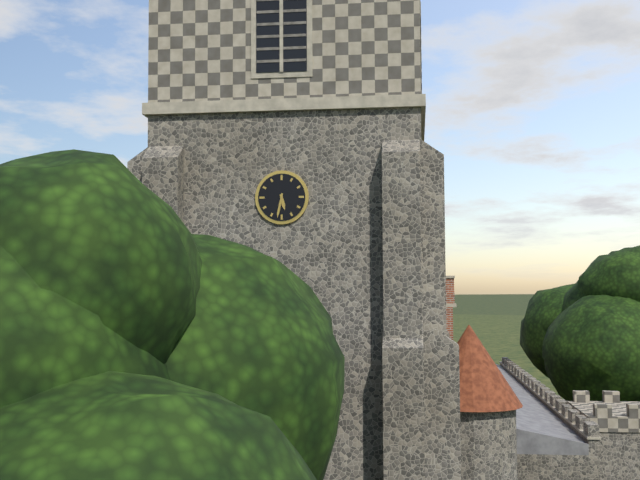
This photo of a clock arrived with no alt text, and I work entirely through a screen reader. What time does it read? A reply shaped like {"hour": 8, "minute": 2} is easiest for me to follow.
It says {"hour": 5, "minute": 32}
